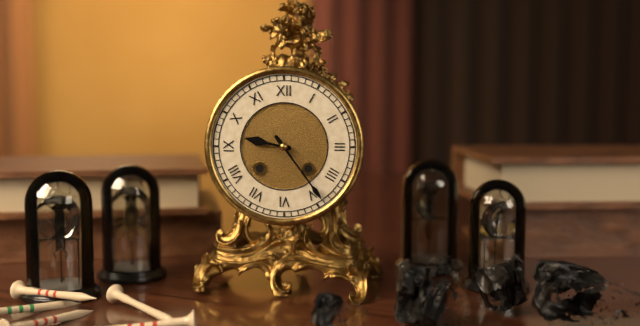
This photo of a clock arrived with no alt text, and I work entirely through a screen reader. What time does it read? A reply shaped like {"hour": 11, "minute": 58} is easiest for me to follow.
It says {"hour": 9, "minute": 24}
